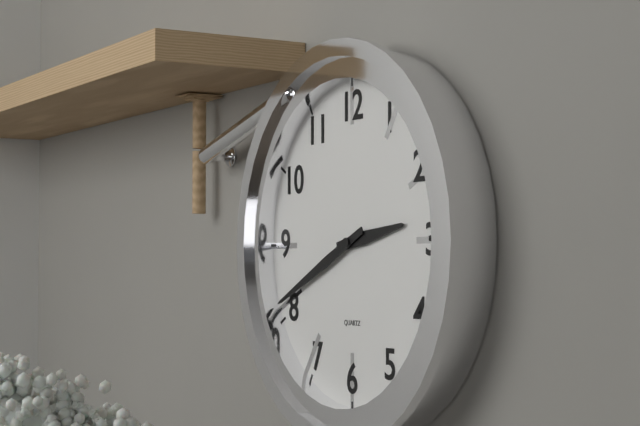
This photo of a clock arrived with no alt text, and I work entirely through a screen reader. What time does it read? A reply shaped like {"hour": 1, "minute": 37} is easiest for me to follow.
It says {"hour": 2, "minute": 41}
